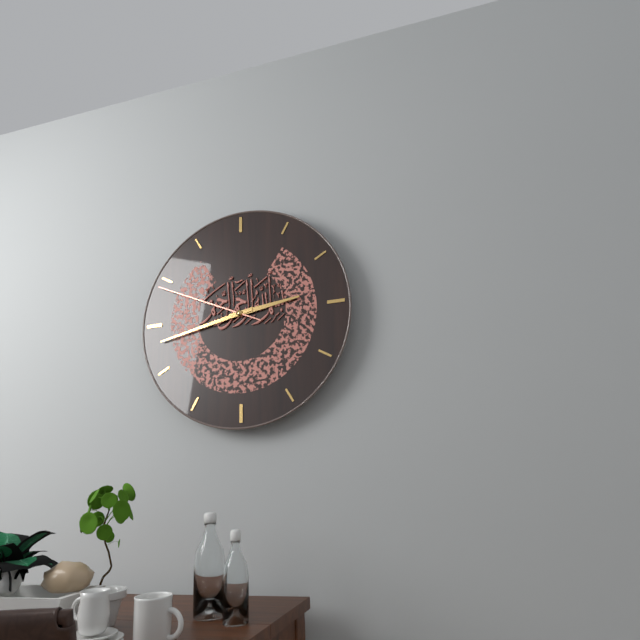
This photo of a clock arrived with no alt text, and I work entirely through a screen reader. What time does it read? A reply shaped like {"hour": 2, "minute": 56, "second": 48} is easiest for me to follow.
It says {"hour": 2, "minute": 43, "second": 49}
